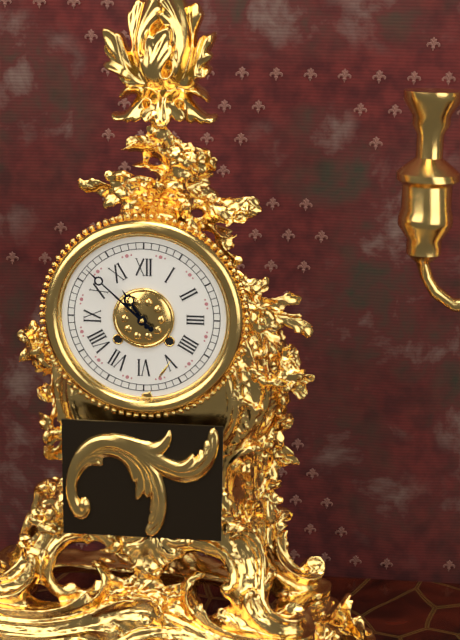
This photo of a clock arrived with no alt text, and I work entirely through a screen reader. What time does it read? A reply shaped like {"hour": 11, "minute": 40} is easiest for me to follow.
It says {"hour": 10, "minute": 52}
